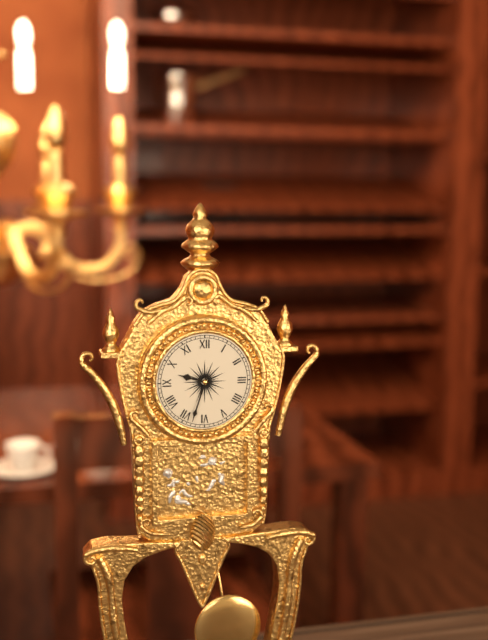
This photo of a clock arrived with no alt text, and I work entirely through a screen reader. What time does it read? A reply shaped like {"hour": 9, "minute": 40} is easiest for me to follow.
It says {"hour": 9, "minute": 33}
